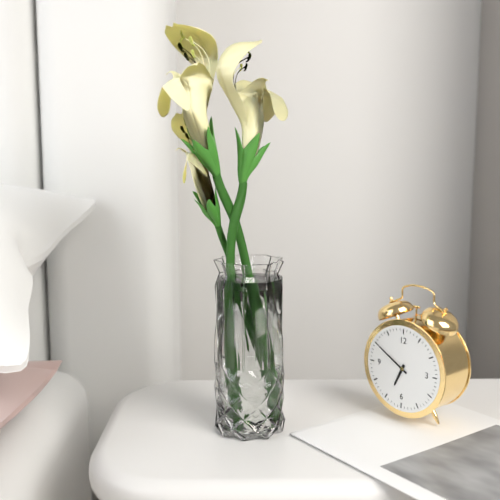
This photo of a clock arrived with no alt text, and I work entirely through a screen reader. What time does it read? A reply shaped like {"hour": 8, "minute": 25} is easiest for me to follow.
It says {"hour": 6, "minute": 50}
